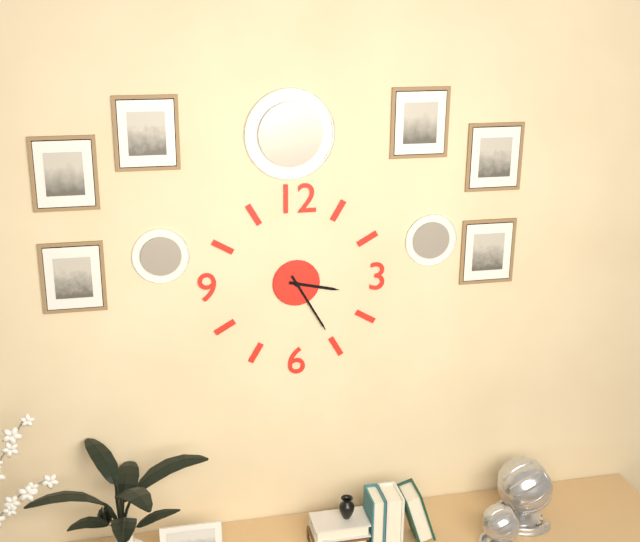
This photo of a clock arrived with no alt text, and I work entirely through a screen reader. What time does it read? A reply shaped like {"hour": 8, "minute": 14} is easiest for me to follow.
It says {"hour": 3, "minute": 25}
